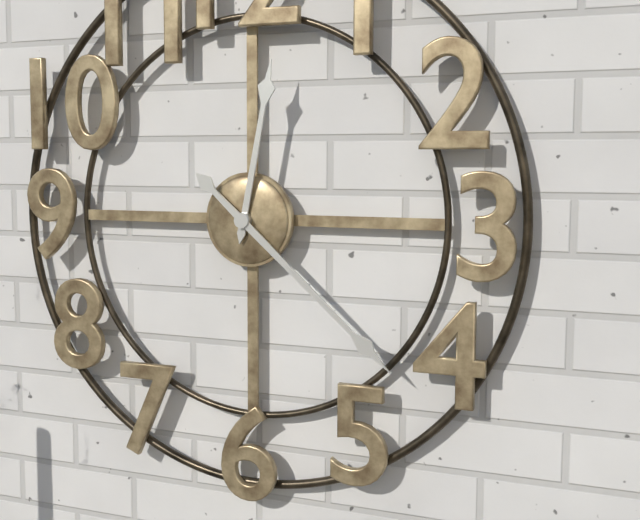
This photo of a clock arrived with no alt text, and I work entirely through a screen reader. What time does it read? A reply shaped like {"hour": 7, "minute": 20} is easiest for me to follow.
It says {"hour": 12, "minute": 22}
